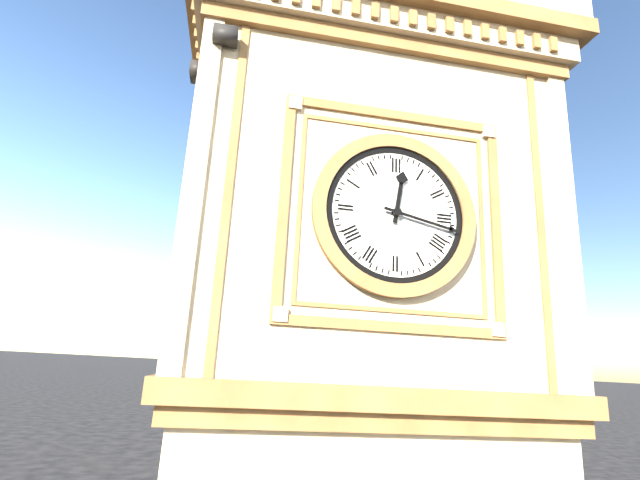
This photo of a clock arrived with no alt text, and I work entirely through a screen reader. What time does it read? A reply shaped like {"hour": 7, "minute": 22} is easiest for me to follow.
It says {"hour": 12, "minute": 17}
